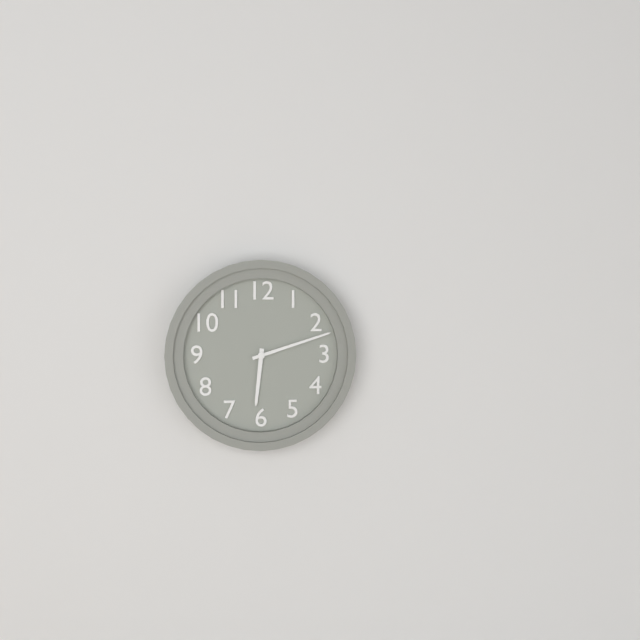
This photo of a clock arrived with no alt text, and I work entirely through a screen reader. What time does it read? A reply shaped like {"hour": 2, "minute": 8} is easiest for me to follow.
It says {"hour": 6, "minute": 12}
